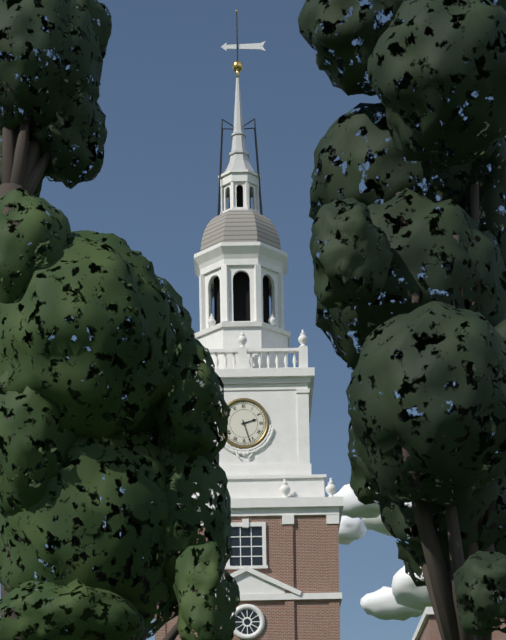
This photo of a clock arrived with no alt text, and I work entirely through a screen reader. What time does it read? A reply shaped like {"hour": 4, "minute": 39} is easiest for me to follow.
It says {"hour": 2, "minute": 27}
